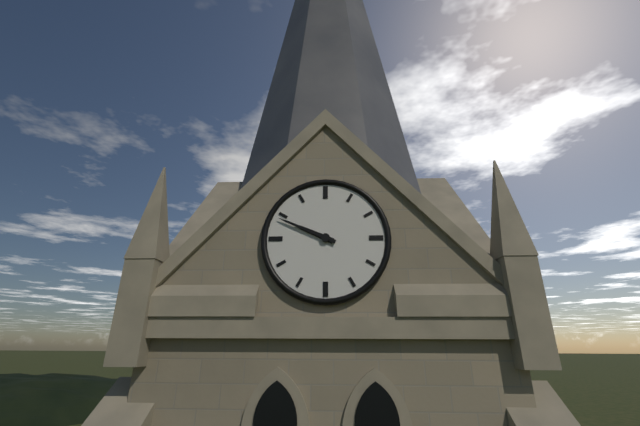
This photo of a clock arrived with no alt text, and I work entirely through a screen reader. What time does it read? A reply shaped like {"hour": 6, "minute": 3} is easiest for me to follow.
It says {"hour": 9, "minute": 49}
